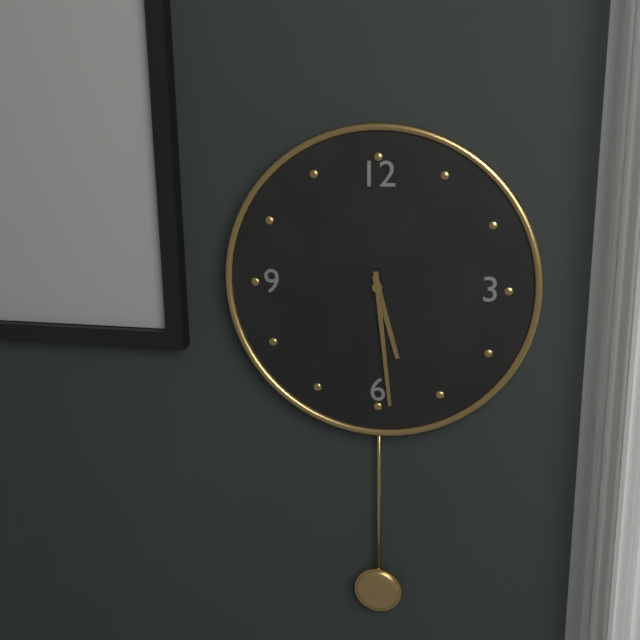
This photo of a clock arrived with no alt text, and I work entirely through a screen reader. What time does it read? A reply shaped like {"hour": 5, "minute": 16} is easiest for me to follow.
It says {"hour": 5, "minute": 29}
